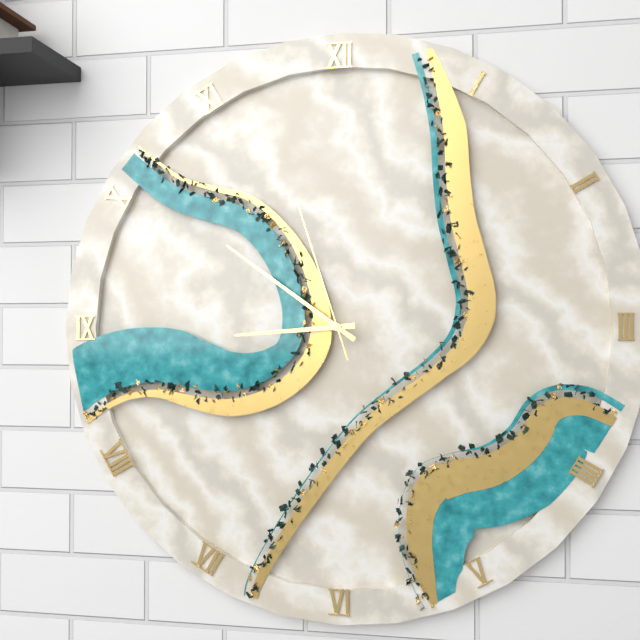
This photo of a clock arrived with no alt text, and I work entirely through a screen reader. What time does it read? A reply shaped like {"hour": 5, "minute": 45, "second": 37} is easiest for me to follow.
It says {"hour": 8, "minute": 51, "second": 57}
